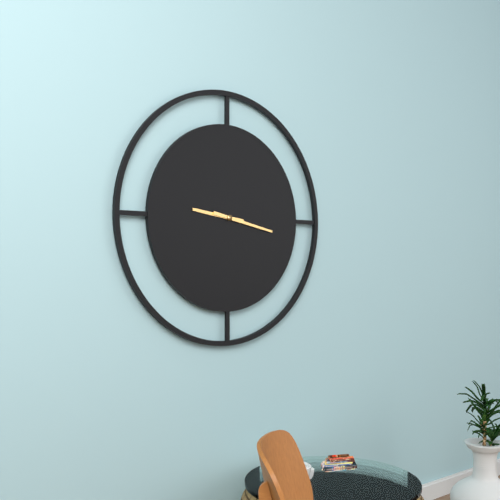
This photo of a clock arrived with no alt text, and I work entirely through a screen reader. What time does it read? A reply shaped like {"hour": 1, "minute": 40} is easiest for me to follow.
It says {"hour": 9, "minute": 17}
